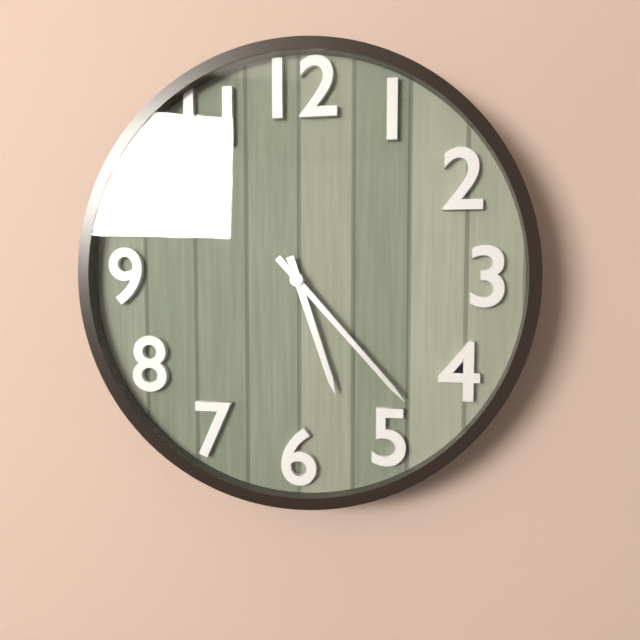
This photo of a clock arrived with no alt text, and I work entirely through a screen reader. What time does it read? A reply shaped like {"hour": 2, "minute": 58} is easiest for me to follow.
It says {"hour": 5, "minute": 23}
